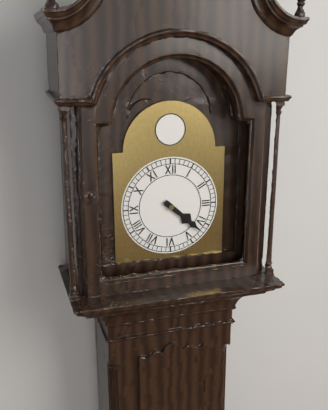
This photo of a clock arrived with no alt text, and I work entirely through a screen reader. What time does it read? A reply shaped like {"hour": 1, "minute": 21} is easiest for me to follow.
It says {"hour": 4, "minute": 22}
